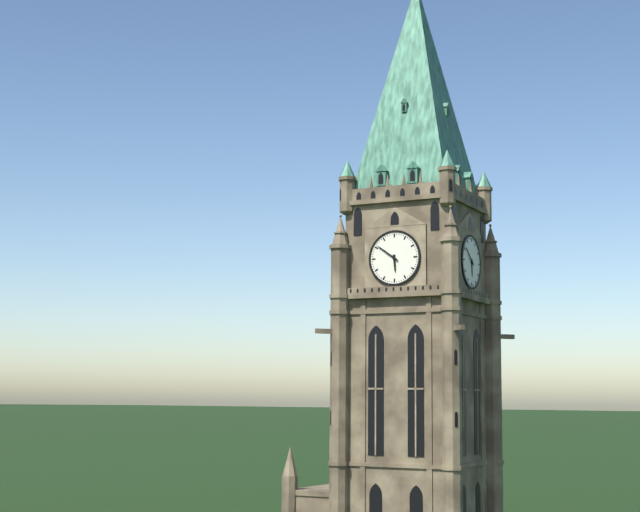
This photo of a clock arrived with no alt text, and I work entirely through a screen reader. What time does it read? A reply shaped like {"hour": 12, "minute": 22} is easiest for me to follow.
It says {"hour": 5, "minute": 51}
